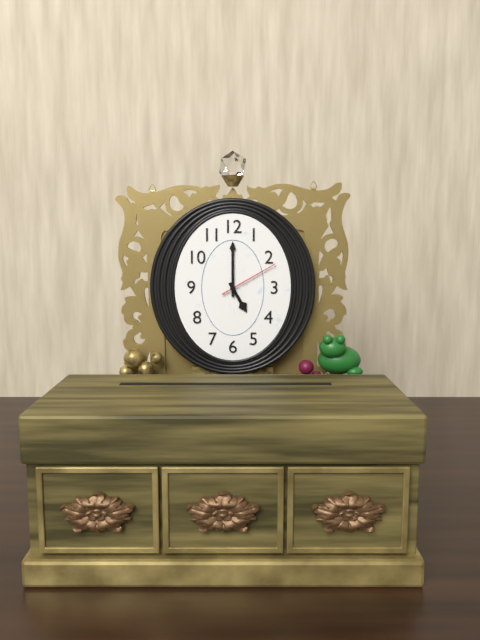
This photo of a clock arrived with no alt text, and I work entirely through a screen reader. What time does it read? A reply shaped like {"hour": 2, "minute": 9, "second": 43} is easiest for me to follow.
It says {"hour": 5, "minute": 0, "second": 10}
